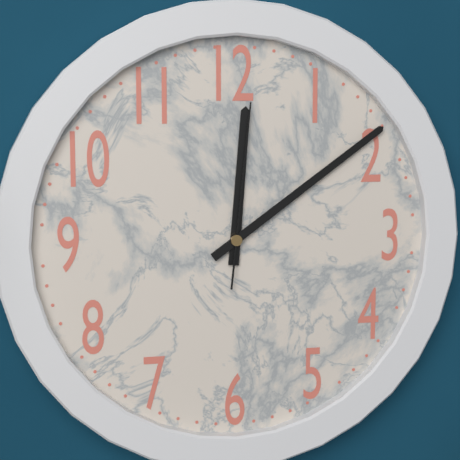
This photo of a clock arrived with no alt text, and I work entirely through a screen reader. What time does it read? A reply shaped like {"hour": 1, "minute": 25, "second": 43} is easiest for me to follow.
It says {"hour": 12, "minute": 9, "second": 1}
